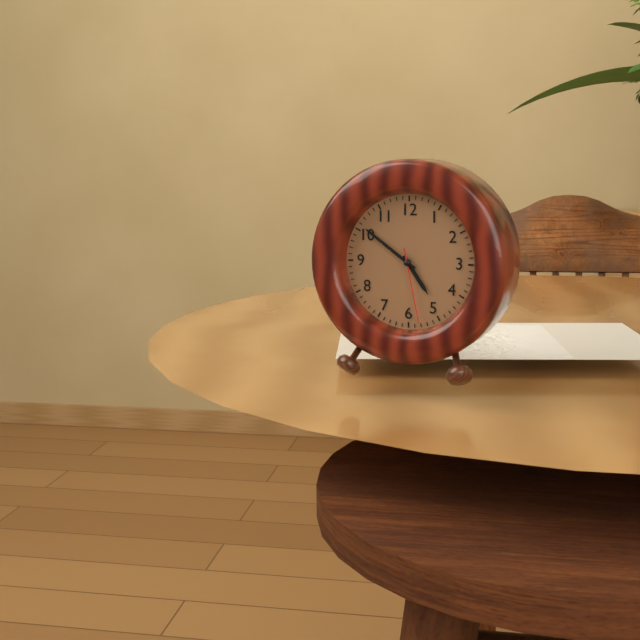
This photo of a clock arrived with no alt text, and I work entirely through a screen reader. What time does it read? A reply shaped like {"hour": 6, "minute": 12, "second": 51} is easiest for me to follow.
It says {"hour": 4, "minute": 51, "second": 28}
